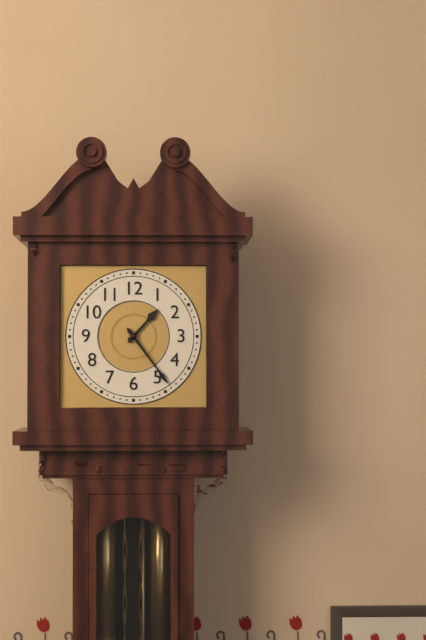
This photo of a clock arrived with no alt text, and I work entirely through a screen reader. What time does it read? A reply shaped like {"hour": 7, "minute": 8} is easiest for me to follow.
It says {"hour": 1, "minute": 24}
